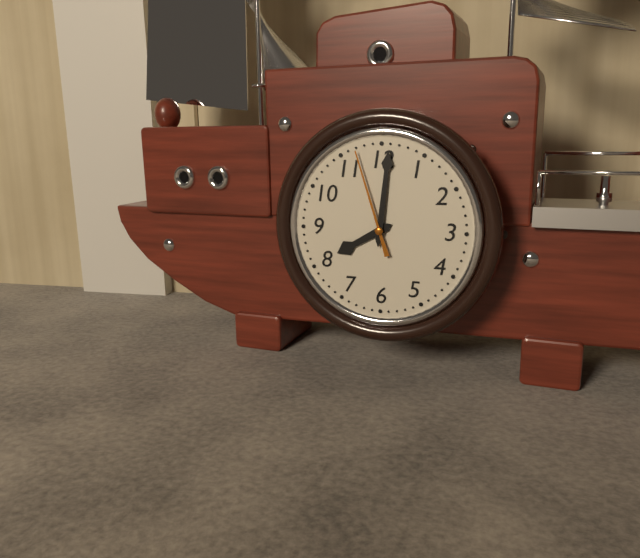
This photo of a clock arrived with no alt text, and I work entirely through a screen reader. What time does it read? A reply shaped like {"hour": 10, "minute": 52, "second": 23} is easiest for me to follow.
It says {"hour": 8, "minute": 1, "second": 57}
